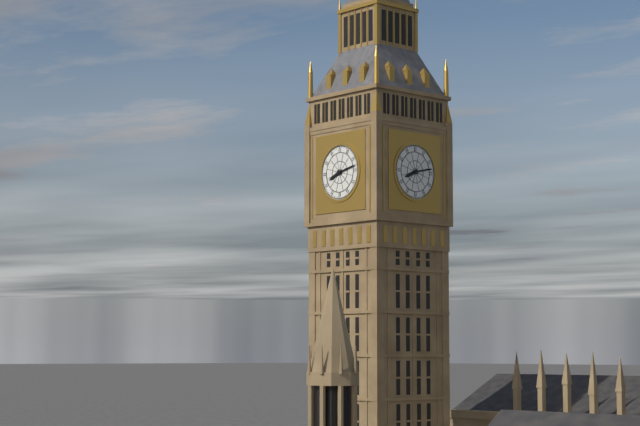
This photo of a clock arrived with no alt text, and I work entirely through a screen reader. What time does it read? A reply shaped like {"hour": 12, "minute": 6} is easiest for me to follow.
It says {"hour": 8, "minute": 13}
